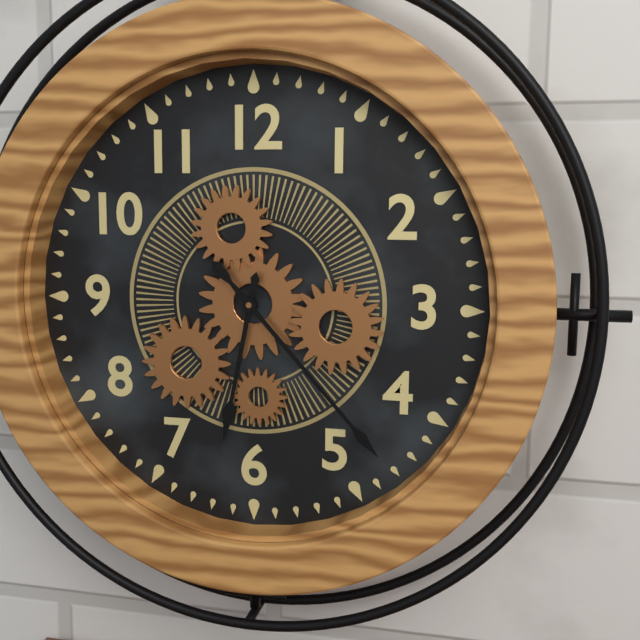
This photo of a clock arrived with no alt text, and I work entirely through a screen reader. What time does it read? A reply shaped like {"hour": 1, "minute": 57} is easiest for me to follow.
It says {"hour": 6, "minute": 23}
